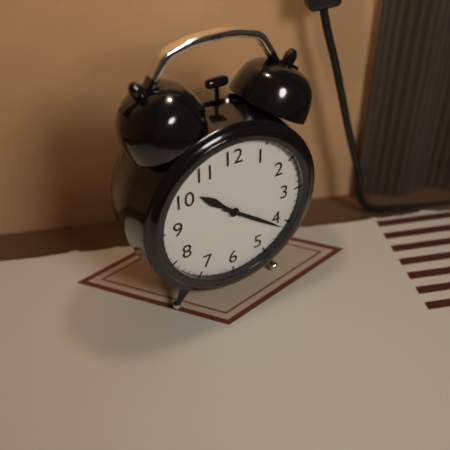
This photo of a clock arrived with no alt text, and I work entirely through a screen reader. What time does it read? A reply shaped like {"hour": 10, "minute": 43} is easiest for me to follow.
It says {"hour": 10, "minute": 21}
